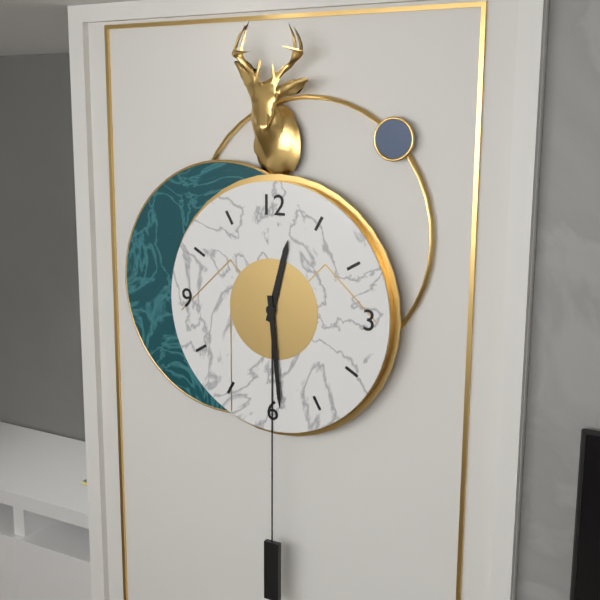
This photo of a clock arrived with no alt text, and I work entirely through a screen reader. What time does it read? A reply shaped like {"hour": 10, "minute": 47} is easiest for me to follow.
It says {"hour": 12, "minute": 29}
